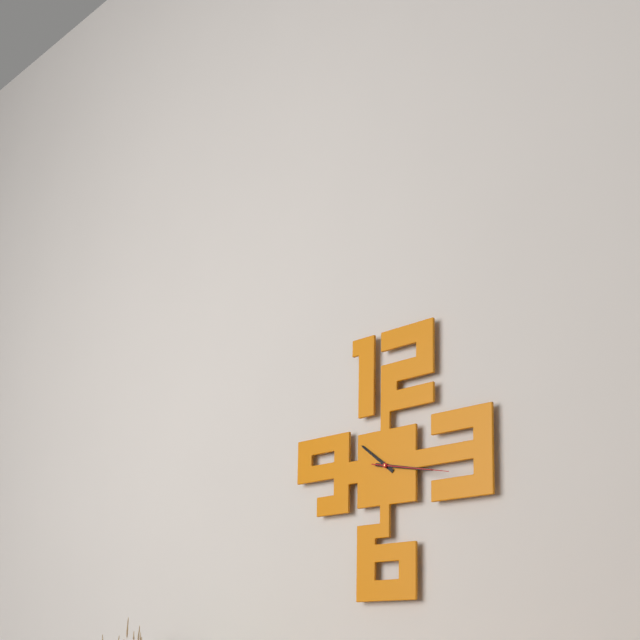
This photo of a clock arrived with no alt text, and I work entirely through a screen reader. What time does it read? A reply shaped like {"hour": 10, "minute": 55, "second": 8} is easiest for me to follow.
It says {"hour": 10, "minute": 17, "second": 17}
